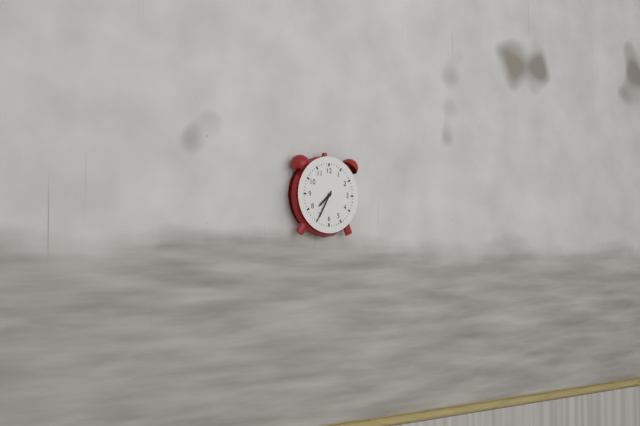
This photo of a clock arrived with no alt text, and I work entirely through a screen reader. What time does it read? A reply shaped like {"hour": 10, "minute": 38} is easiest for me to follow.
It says {"hour": 7, "minute": 35}
